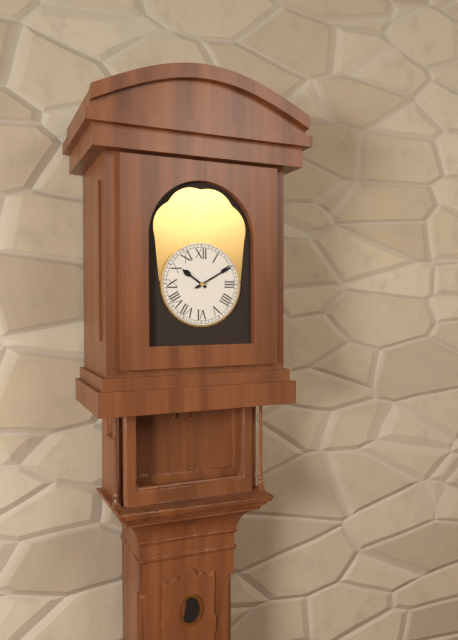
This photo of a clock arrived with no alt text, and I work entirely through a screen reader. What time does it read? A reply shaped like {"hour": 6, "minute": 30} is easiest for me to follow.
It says {"hour": 10, "minute": 10}
